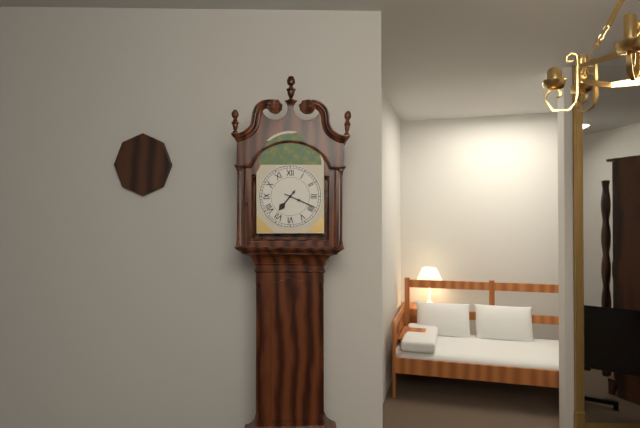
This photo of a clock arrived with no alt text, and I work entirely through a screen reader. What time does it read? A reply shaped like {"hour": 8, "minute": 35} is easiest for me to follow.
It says {"hour": 7, "minute": 19}
